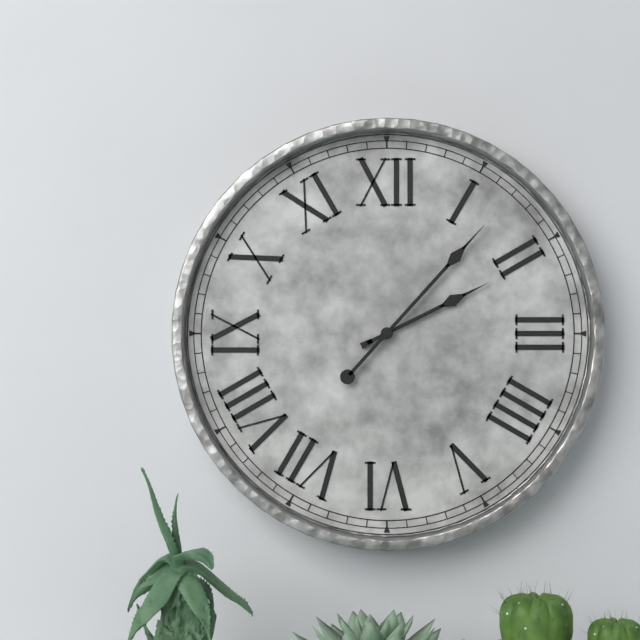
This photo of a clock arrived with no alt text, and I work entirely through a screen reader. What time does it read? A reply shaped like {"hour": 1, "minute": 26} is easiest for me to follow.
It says {"hour": 2, "minute": 7}
